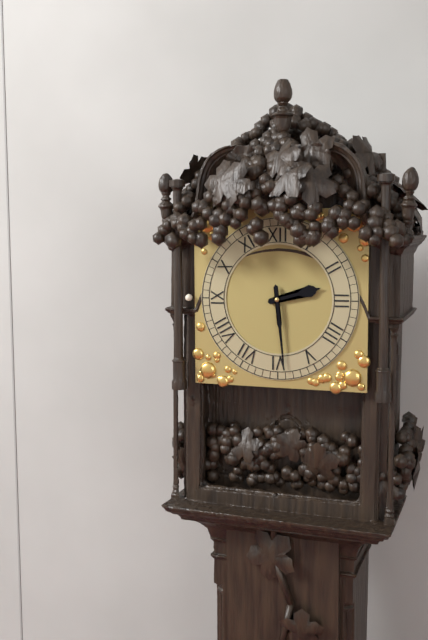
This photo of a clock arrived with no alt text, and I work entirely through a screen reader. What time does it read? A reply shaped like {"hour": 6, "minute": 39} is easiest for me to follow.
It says {"hour": 2, "minute": 29}
